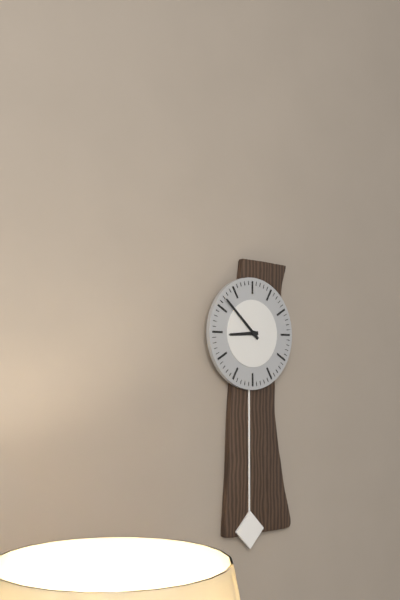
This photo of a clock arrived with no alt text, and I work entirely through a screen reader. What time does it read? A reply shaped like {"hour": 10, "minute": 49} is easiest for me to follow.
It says {"hour": 8, "minute": 52}
